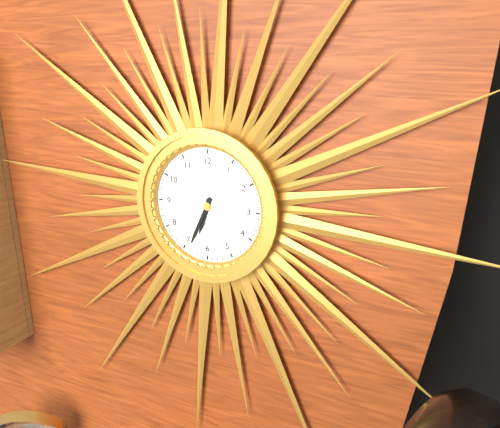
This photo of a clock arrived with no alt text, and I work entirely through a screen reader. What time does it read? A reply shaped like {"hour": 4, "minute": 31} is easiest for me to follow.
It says {"hour": 6, "minute": 34}
